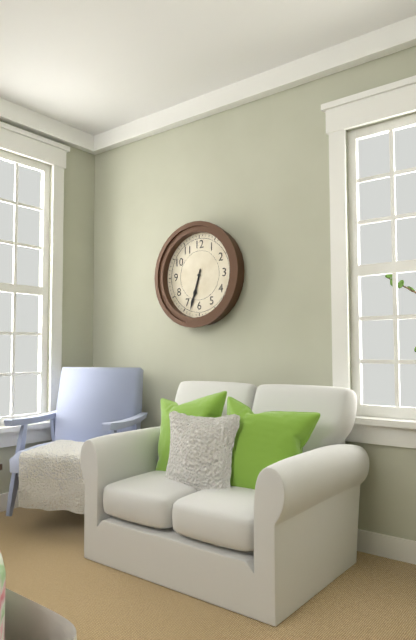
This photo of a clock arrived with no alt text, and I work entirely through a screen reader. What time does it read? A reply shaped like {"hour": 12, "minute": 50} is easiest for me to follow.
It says {"hour": 6, "minute": 33}
